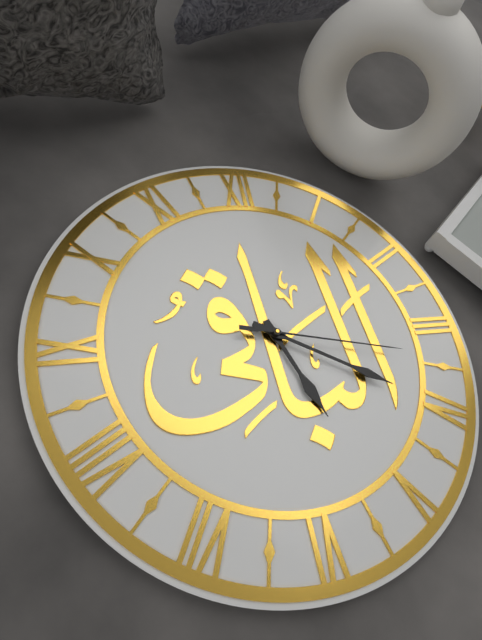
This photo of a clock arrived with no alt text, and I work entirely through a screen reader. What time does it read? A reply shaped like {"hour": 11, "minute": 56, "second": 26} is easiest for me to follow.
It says {"hour": 5, "minute": 20, "second": 17}
